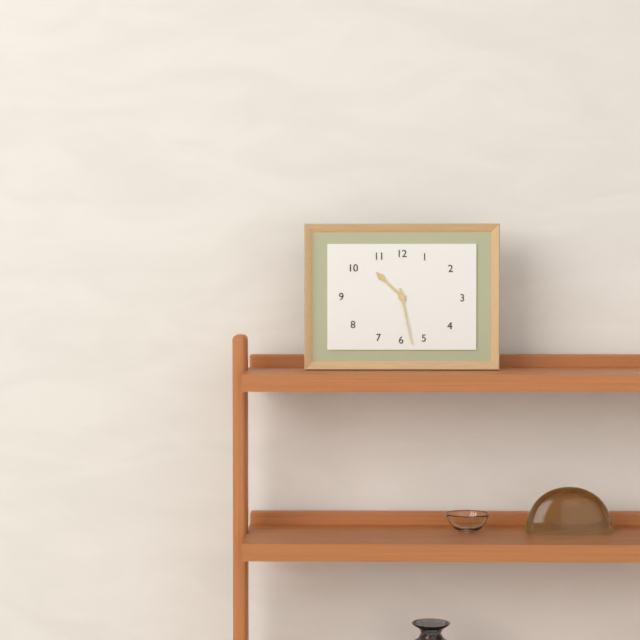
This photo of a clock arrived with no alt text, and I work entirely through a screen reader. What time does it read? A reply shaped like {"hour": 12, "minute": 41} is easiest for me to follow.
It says {"hour": 10, "minute": 28}
